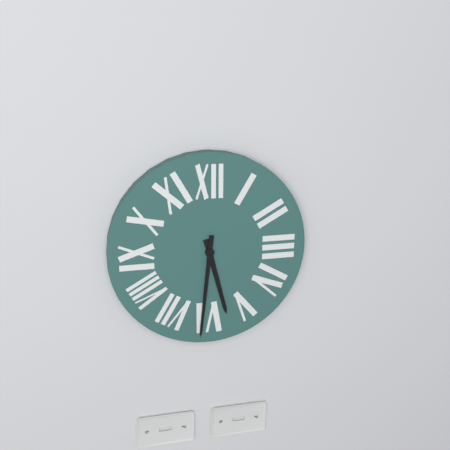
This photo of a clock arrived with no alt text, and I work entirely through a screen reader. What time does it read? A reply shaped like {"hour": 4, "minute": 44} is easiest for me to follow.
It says {"hour": 5, "minute": 31}
